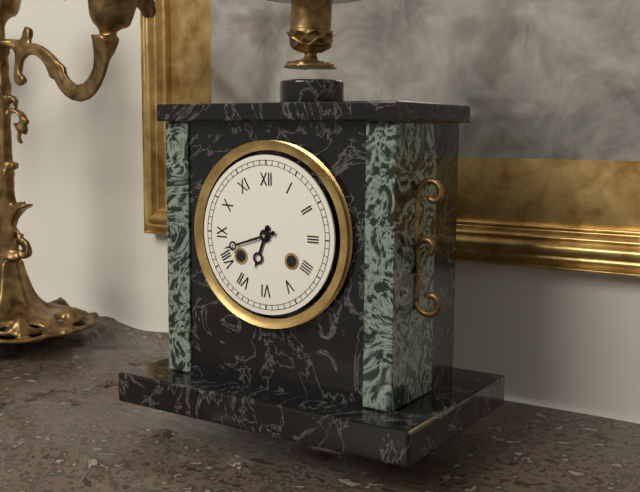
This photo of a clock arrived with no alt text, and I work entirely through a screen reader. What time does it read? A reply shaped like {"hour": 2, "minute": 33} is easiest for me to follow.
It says {"hour": 6, "minute": 42}
